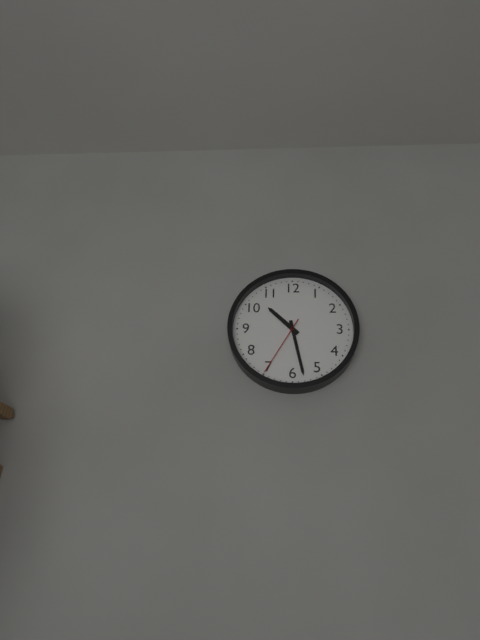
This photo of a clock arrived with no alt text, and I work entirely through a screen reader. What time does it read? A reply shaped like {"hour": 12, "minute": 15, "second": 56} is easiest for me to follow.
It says {"hour": 10, "minute": 28, "second": 35}
